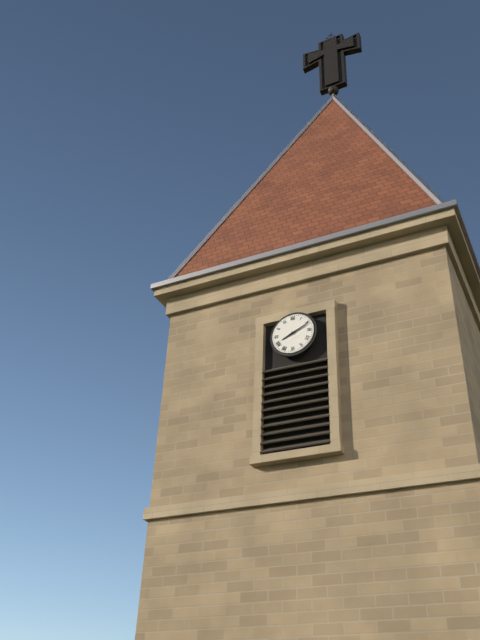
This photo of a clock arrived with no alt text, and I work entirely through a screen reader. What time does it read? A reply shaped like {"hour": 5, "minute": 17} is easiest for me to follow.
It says {"hour": 8, "minute": 11}
